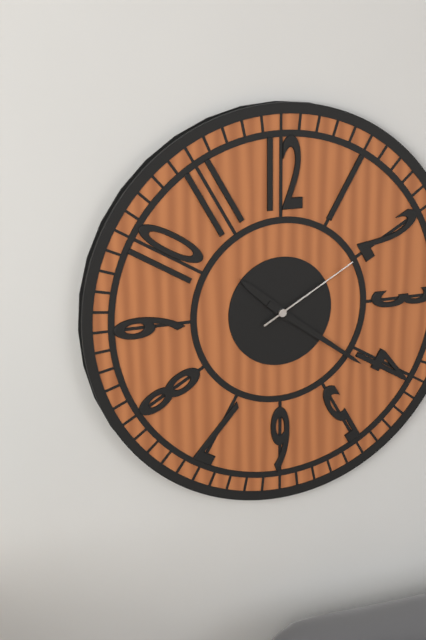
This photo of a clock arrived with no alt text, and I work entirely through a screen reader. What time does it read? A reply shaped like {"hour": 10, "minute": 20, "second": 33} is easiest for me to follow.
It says {"hour": 10, "minute": 21, "second": 10}
